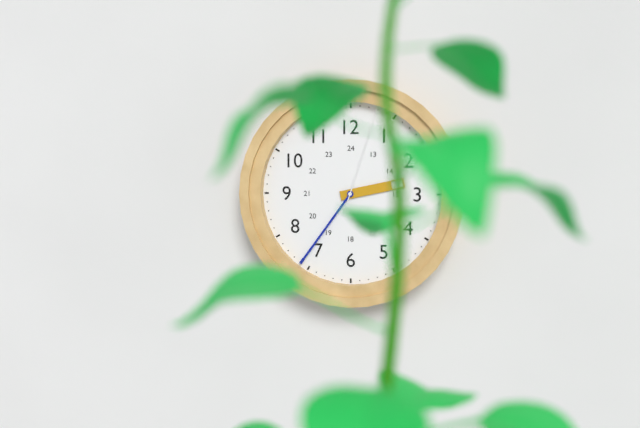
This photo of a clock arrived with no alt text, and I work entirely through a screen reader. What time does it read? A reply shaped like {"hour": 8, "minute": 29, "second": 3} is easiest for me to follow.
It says {"hour": 2, "minute": 36, "second": 3}
